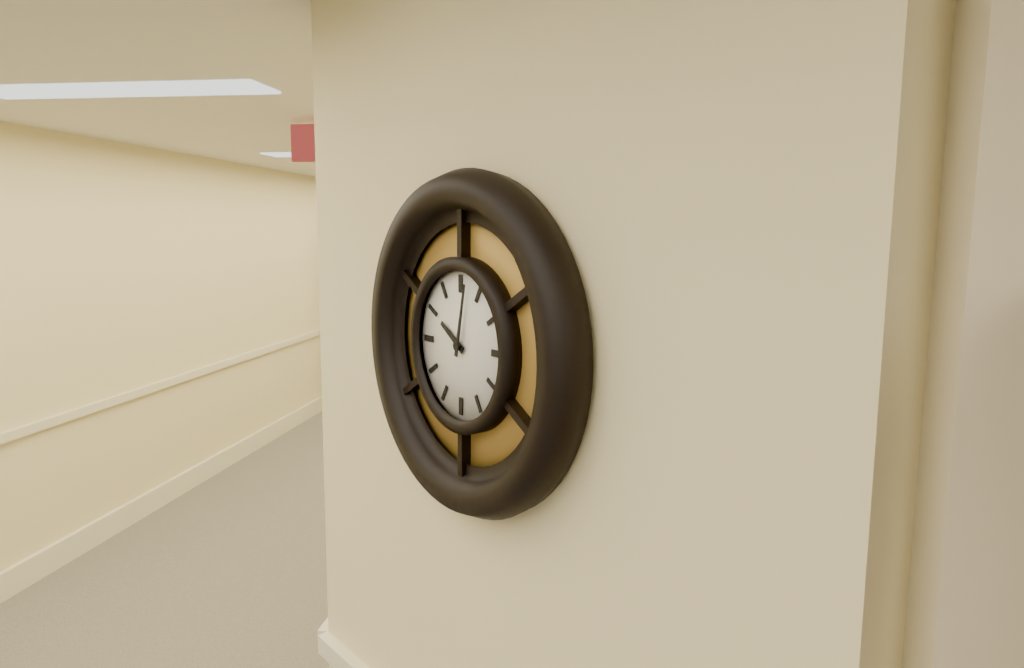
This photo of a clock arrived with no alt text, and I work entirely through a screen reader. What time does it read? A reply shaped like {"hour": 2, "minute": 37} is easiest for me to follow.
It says {"hour": 10, "minute": 2}
